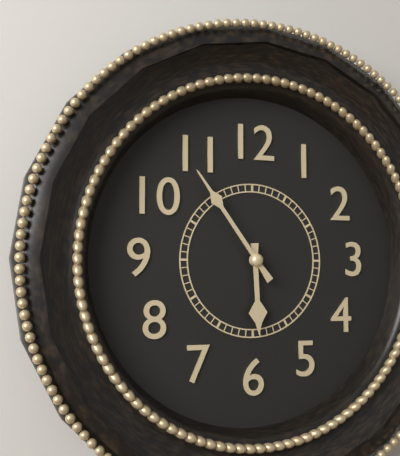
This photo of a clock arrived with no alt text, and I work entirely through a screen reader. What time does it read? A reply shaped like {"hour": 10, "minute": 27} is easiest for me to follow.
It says {"hour": 5, "minute": 54}
